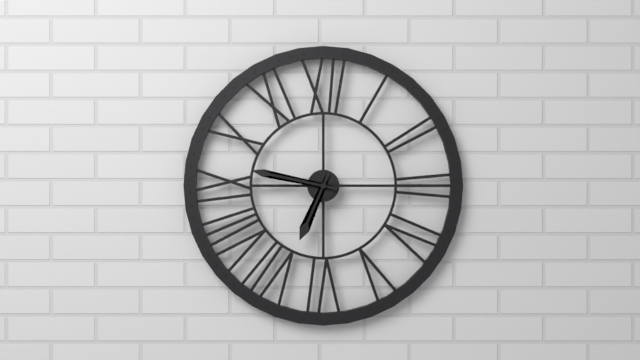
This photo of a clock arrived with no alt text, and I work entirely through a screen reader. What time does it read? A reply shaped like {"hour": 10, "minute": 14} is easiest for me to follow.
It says {"hour": 6, "minute": 47}
